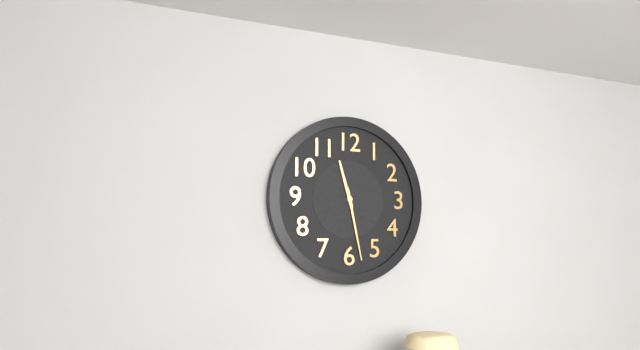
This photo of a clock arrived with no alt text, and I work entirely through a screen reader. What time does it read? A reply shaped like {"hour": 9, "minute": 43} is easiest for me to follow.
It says {"hour": 11, "minute": 28}
